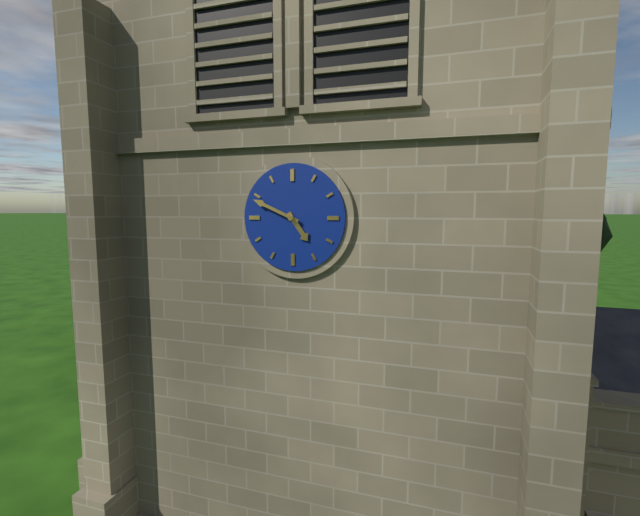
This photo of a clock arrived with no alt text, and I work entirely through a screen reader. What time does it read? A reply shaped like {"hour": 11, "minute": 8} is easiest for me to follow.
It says {"hour": 4, "minute": 49}
